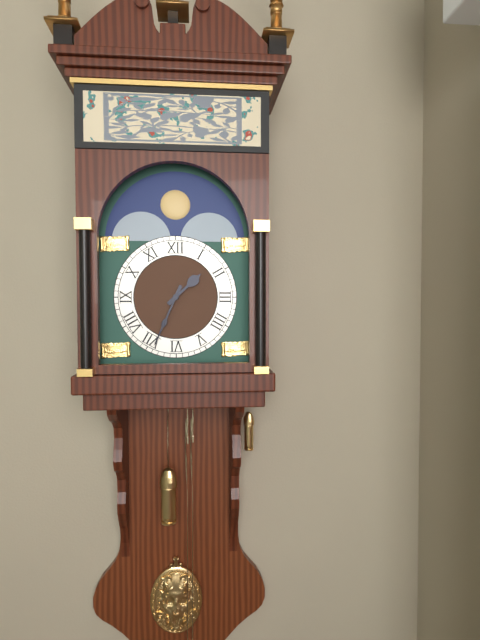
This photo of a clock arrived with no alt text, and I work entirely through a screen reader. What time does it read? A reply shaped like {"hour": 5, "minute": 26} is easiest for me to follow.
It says {"hour": 1, "minute": 34}
